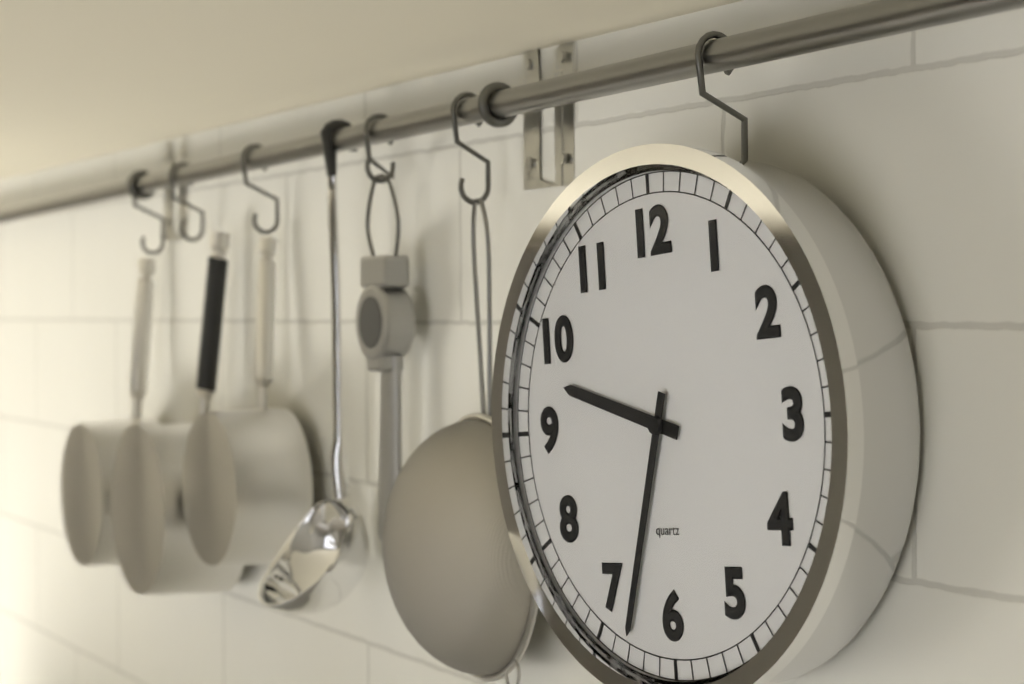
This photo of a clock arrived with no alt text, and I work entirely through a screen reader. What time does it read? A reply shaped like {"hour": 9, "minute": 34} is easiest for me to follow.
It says {"hour": 9, "minute": 33}
